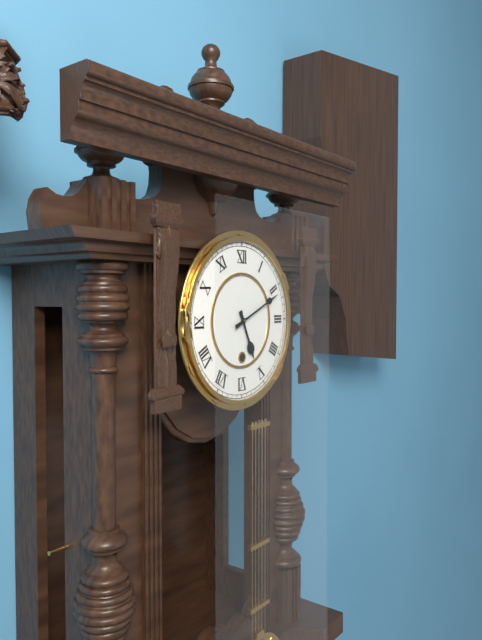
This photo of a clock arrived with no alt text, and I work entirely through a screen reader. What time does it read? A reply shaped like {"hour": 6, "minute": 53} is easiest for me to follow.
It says {"hour": 5, "minute": 11}
